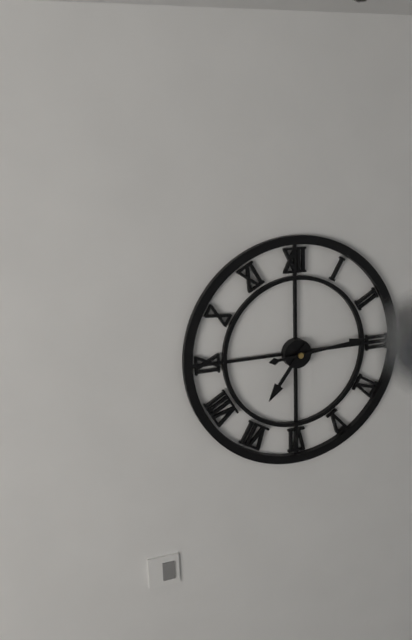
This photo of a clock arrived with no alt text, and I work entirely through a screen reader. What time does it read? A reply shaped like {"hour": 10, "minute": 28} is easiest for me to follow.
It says {"hour": 7, "minute": 14}
